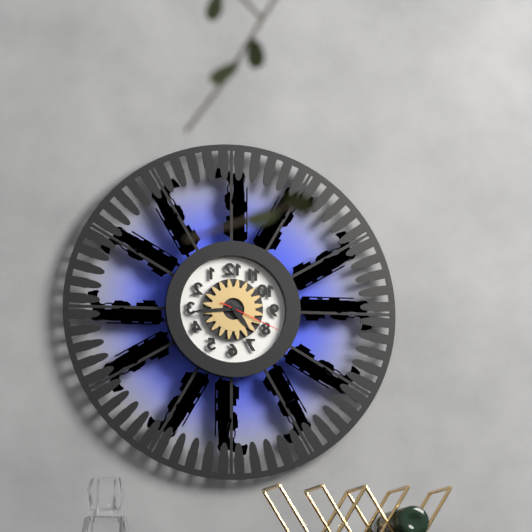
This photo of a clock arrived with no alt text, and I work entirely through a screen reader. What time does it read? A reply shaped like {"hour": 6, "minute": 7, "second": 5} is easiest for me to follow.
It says {"hour": 4, "minute": 44, "second": 19}
